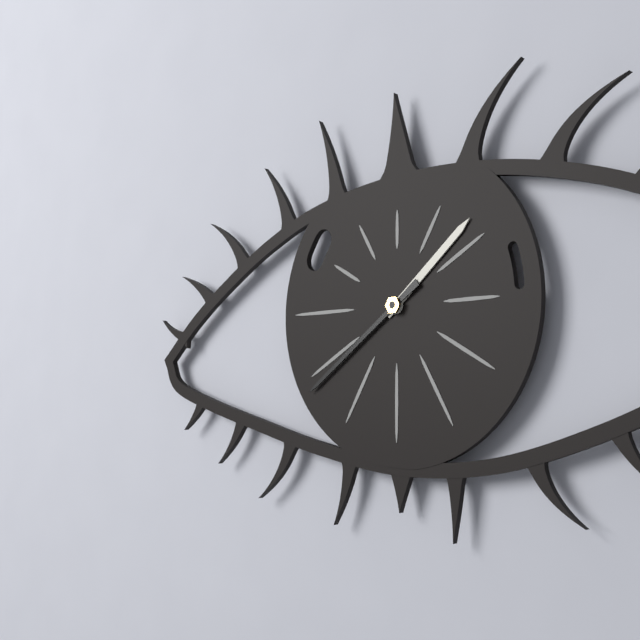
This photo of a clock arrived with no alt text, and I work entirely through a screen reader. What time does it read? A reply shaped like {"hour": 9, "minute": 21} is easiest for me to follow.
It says {"hour": 1, "minute": 39}
